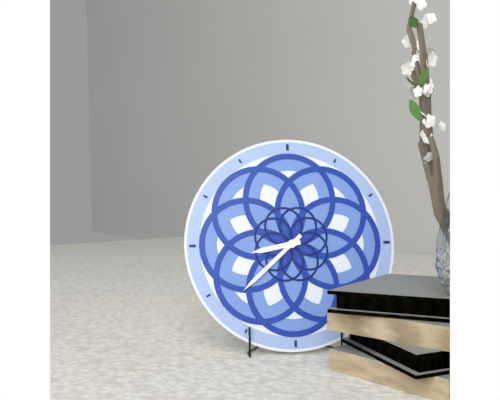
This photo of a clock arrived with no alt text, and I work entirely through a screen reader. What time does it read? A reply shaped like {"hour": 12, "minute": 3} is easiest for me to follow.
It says {"hour": 8, "minute": 38}
